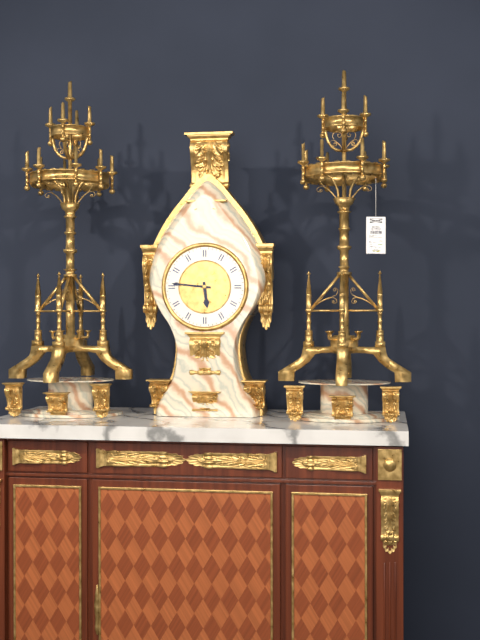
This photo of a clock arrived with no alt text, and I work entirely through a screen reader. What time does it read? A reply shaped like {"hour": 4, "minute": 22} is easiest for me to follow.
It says {"hour": 5, "minute": 46}
